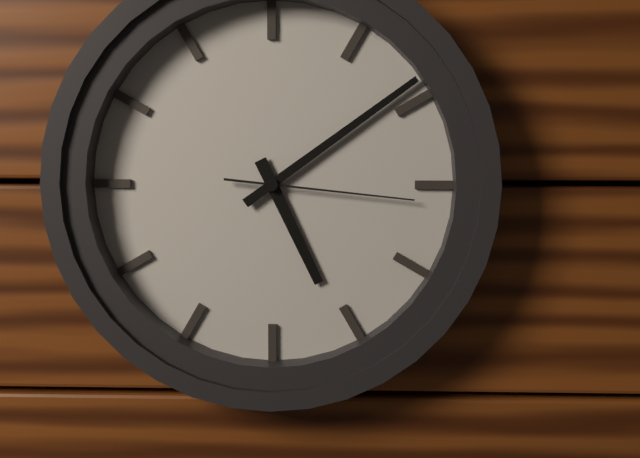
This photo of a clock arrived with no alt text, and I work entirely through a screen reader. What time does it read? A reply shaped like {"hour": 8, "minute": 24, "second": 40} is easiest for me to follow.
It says {"hour": 5, "minute": 9, "second": 16}
